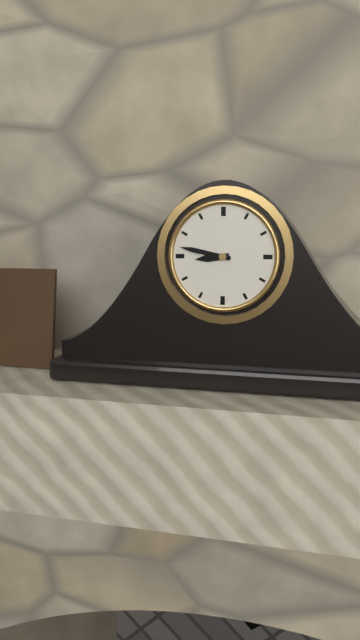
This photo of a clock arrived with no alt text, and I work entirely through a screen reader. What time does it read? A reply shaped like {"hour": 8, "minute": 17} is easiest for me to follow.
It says {"hour": 8, "minute": 47}
